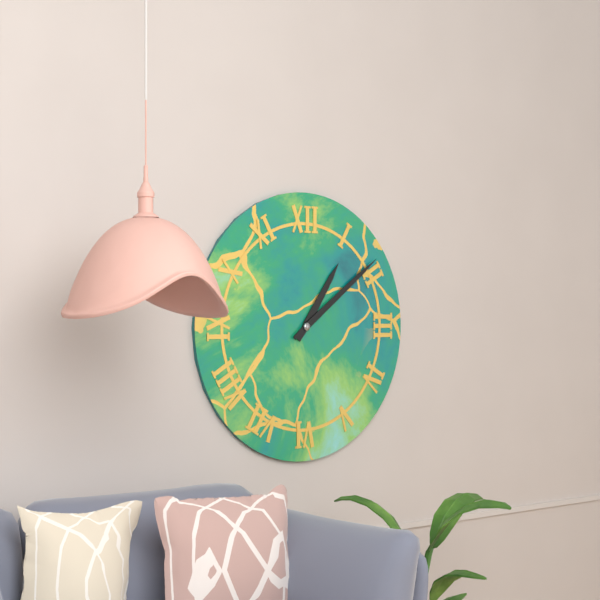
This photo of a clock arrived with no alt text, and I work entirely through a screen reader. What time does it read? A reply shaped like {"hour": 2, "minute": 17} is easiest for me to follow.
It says {"hour": 1, "minute": 9}
